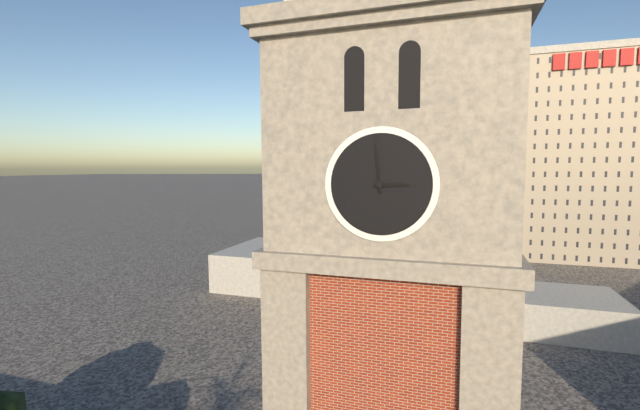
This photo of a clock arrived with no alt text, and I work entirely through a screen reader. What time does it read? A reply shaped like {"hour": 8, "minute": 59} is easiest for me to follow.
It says {"hour": 2, "minute": 59}
